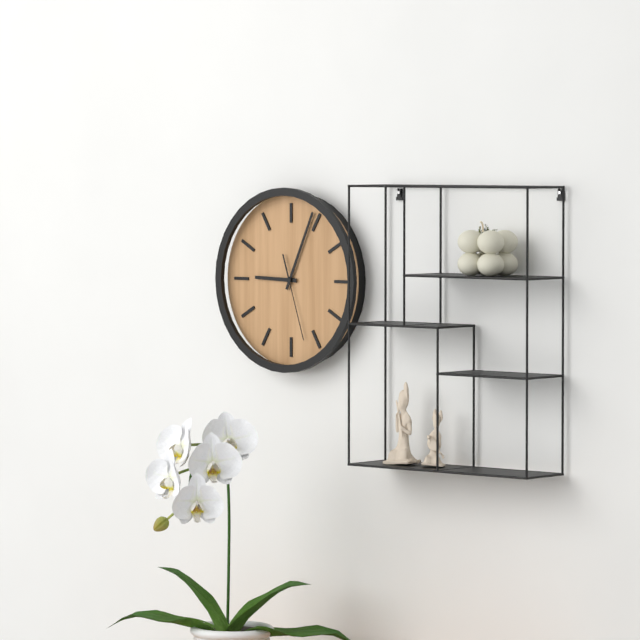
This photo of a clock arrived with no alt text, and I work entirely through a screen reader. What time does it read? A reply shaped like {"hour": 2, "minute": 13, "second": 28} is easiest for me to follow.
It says {"hour": 9, "minute": 4, "second": 27}
